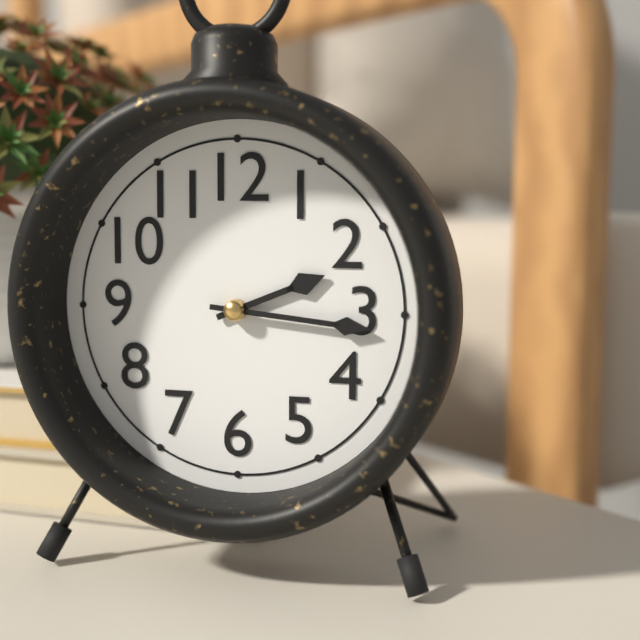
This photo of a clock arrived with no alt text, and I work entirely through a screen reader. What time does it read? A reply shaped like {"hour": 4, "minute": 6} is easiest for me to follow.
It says {"hour": 2, "minute": 16}
